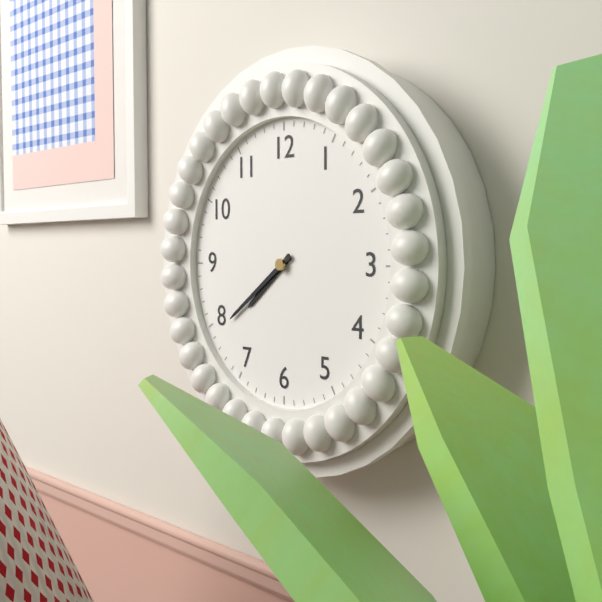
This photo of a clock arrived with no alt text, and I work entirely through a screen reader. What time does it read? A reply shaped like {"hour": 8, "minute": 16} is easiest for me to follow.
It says {"hour": 7, "minute": 39}
